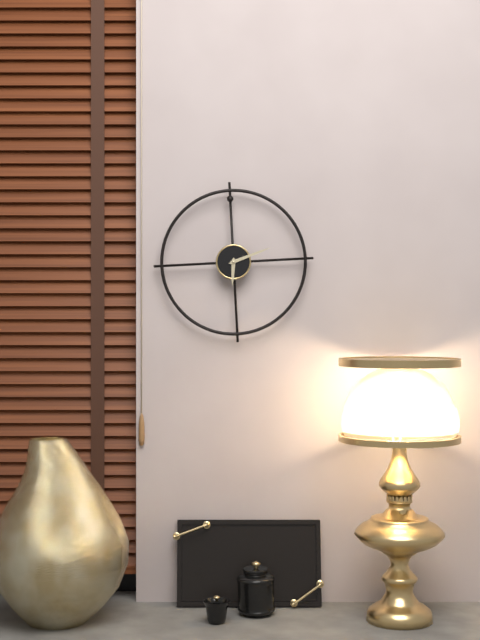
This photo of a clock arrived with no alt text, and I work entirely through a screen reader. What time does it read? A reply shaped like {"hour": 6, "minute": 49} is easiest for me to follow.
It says {"hour": 6, "minute": 12}
